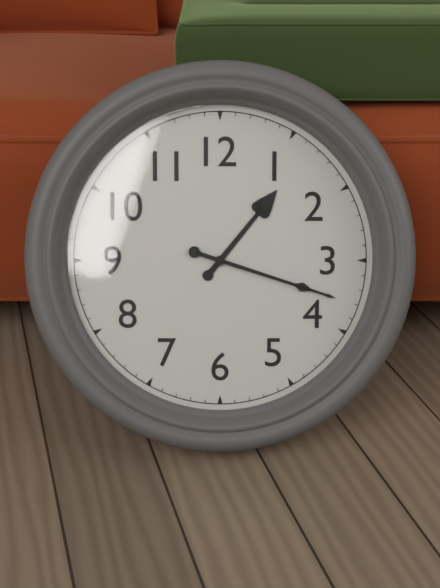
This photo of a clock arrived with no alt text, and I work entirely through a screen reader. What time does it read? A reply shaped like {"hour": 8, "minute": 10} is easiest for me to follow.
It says {"hour": 1, "minute": 18}
